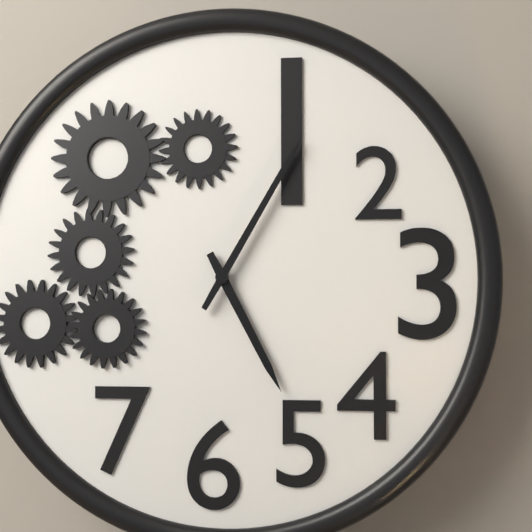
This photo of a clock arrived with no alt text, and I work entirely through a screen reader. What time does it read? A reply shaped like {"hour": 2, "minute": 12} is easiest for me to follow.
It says {"hour": 5, "minute": 5}
